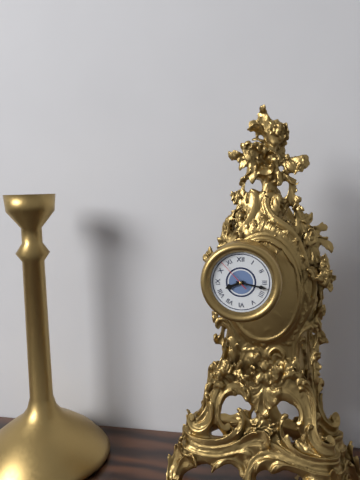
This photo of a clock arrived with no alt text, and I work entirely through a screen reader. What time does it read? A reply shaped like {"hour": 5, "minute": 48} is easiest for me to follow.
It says {"hour": 8, "minute": 17}
